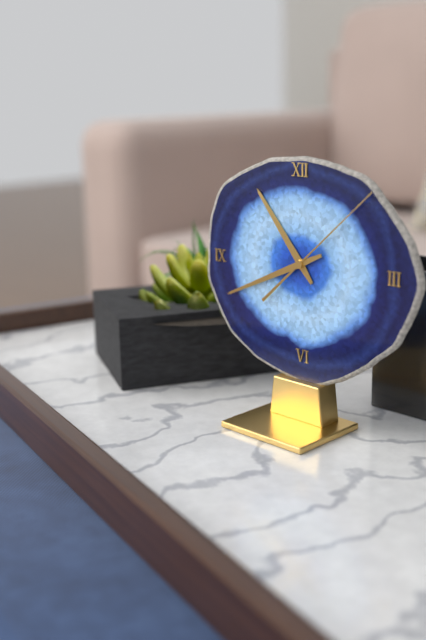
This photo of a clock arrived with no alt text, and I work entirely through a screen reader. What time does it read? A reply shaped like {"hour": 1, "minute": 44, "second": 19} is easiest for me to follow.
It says {"hour": 10, "minute": 41, "second": 8}
